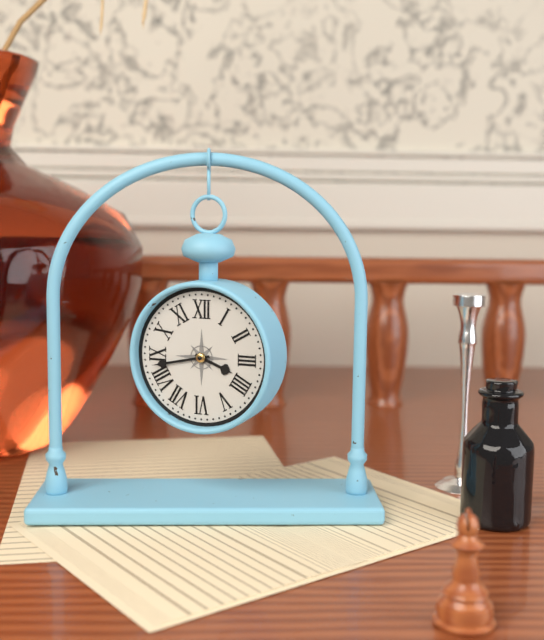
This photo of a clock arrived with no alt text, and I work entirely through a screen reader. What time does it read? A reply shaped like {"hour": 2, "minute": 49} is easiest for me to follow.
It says {"hour": 3, "minute": 43}
